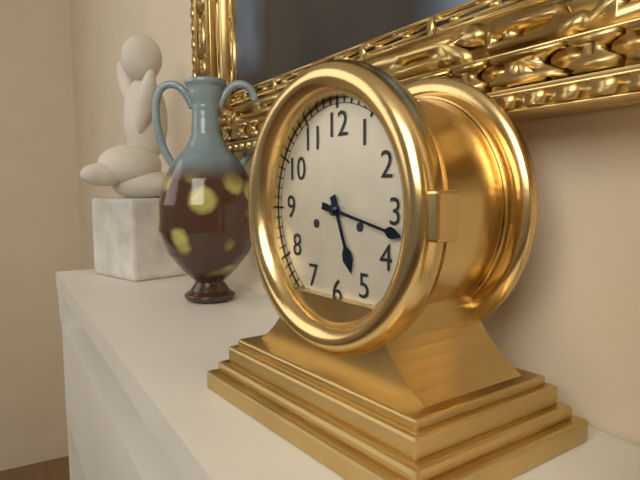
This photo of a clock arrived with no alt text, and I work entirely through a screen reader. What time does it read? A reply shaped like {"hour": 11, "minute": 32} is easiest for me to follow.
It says {"hour": 5, "minute": 17}
